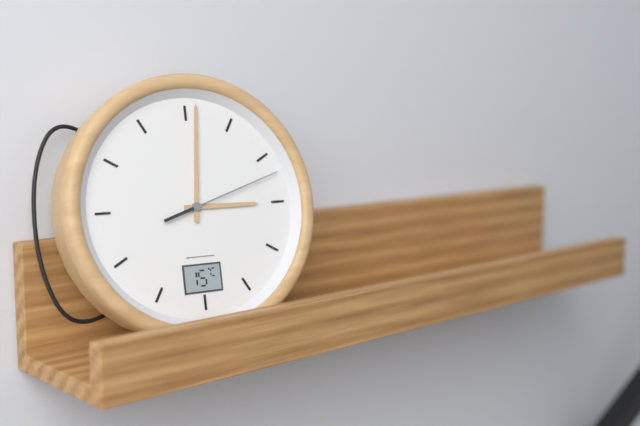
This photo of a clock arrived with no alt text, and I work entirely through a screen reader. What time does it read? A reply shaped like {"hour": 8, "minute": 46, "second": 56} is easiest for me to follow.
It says {"hour": 3, "minute": 1, "second": 12}
